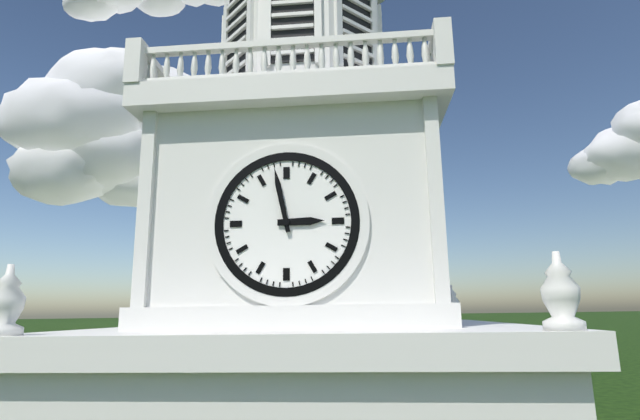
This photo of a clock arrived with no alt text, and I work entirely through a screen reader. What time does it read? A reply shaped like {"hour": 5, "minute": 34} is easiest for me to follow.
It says {"hour": 2, "minute": 58}
